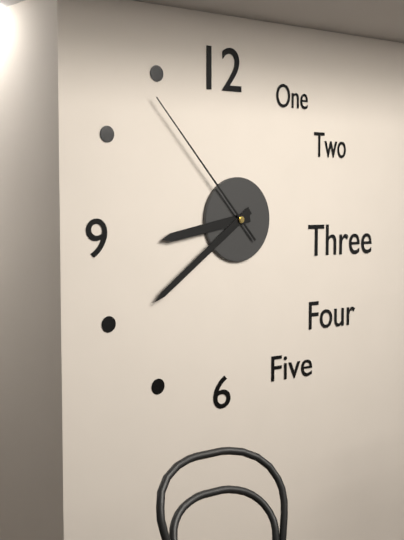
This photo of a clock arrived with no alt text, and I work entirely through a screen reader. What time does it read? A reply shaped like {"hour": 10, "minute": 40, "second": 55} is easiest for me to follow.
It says {"hour": 8, "minute": 39, "second": 53}
